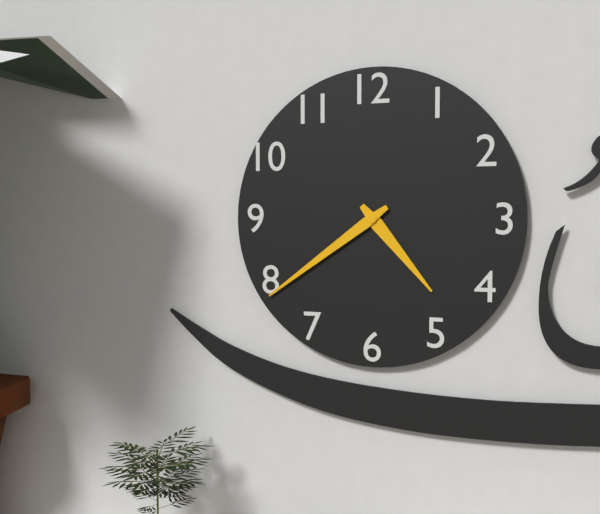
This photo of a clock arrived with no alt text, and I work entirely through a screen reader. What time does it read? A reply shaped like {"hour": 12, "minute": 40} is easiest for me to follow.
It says {"hour": 4, "minute": 39}
